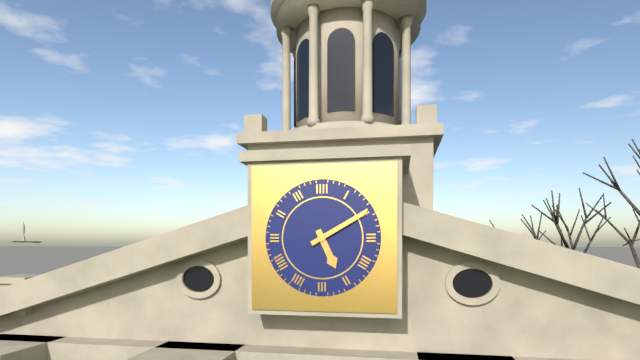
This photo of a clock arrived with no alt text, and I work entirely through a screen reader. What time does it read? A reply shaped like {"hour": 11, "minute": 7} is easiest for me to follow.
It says {"hour": 5, "minute": 10}
